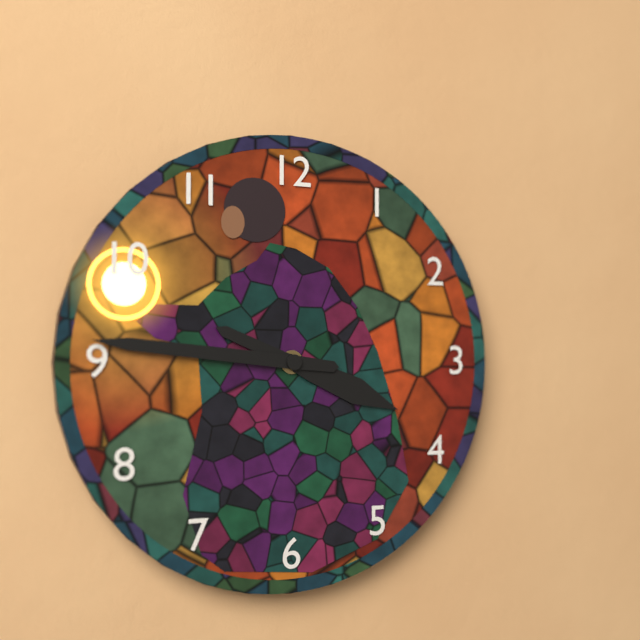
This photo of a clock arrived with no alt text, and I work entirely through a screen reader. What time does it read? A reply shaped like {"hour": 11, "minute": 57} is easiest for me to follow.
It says {"hour": 3, "minute": 46}
